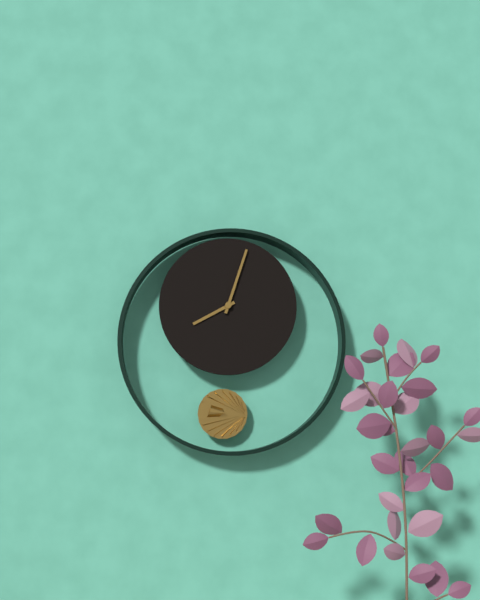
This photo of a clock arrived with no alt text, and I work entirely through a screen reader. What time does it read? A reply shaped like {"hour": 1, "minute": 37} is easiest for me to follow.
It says {"hour": 8, "minute": 3}
